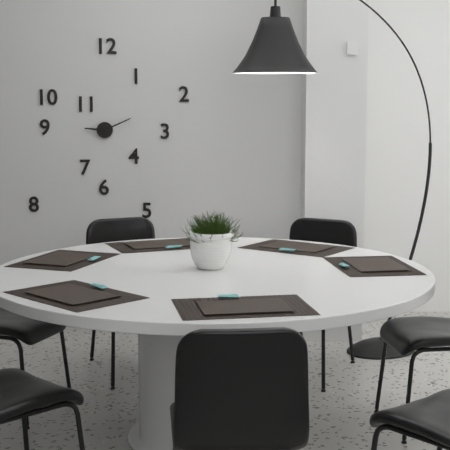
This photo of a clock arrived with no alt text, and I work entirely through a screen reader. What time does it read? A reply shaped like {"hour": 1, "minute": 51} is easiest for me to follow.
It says {"hour": 9, "minute": 11}
